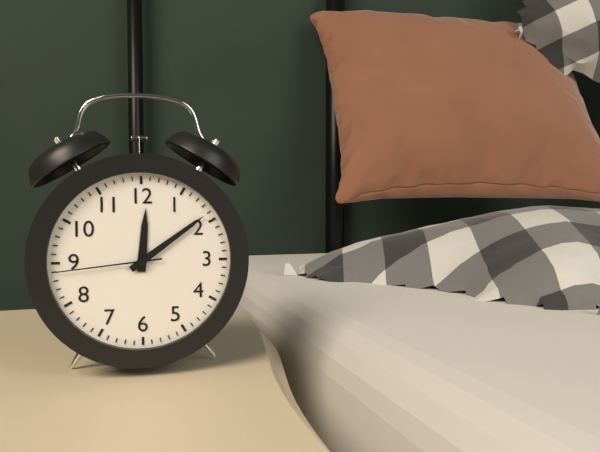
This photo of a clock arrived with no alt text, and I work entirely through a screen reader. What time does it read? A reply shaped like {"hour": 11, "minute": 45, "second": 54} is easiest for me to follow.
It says {"hour": 12, "minute": 9, "second": 44}
